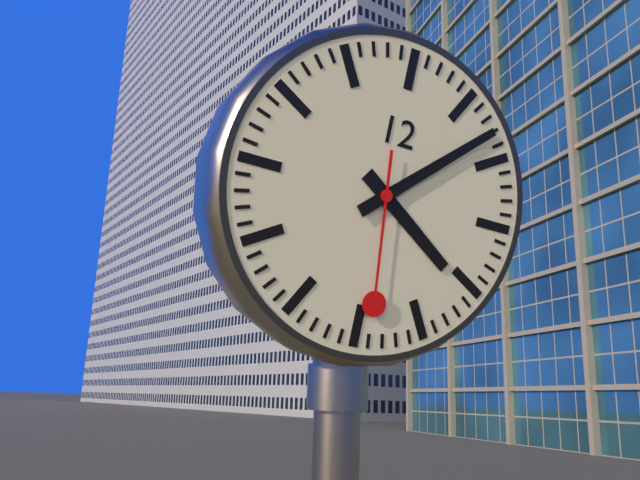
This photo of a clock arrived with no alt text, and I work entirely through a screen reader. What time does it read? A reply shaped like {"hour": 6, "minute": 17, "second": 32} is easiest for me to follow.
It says {"hour": 4, "minute": 8, "second": 29}
